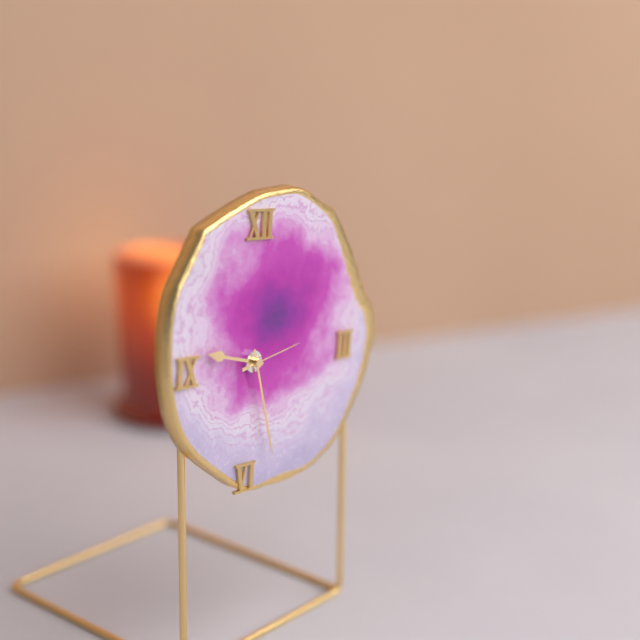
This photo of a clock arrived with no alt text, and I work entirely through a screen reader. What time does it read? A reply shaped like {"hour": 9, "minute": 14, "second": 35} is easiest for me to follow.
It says {"hour": 9, "minute": 27, "second": 13}
